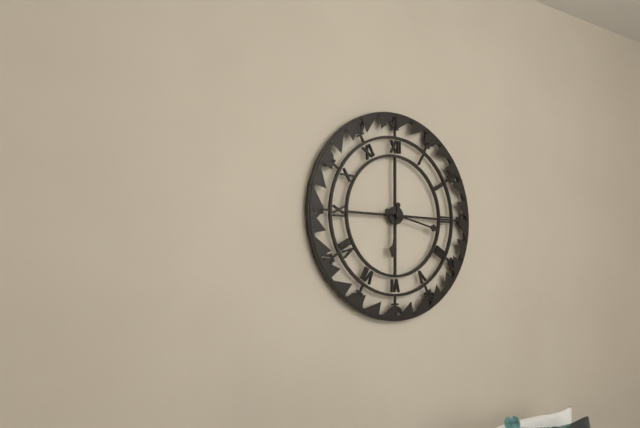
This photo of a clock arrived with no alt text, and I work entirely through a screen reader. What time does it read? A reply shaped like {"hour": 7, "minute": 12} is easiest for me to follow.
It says {"hour": 6, "minute": 17}
